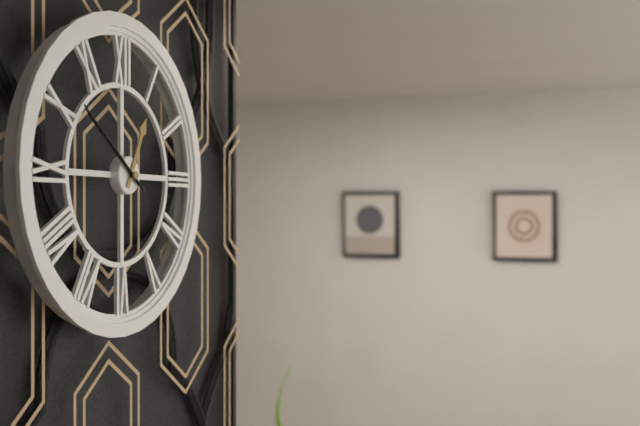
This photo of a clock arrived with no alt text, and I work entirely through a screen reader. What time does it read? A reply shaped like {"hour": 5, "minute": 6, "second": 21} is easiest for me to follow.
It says {"hour": 12, "minute": 51, "second": 51}
